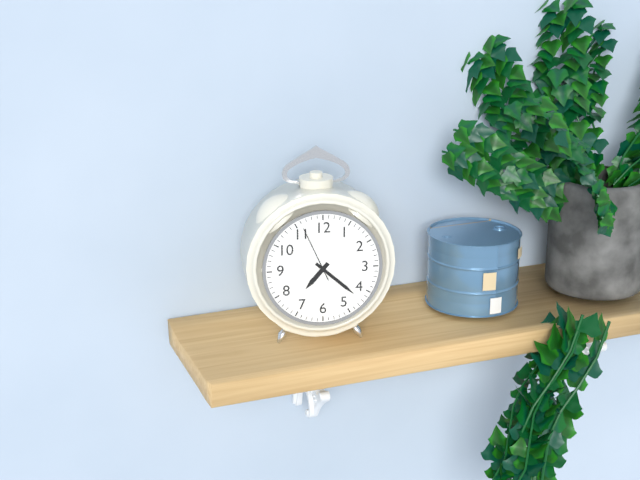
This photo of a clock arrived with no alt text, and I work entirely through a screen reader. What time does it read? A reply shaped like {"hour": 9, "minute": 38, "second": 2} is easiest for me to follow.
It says {"hour": 7, "minute": 22, "second": 56}
